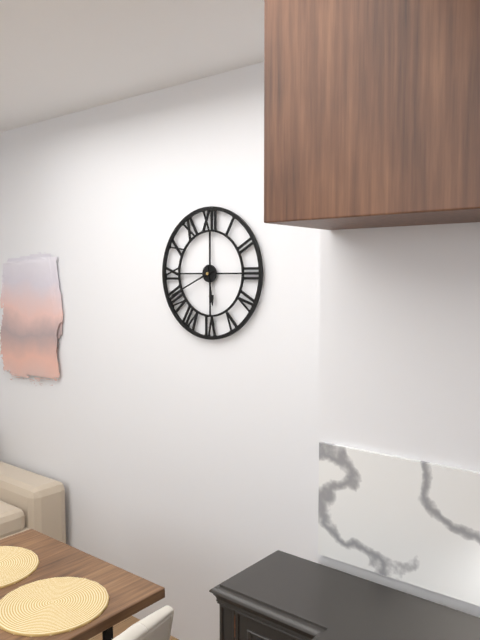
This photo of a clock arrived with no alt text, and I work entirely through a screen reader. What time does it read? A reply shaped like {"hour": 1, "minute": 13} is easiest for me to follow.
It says {"hour": 5, "minute": 41}
